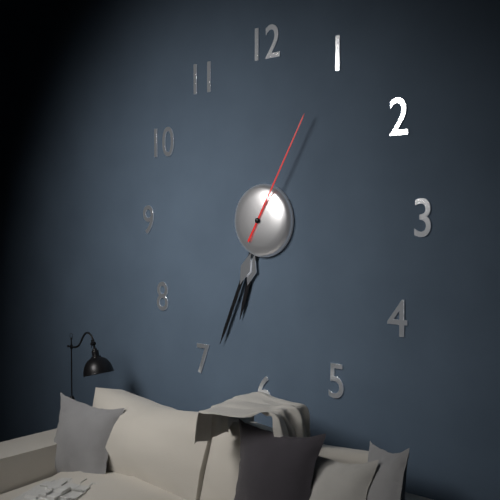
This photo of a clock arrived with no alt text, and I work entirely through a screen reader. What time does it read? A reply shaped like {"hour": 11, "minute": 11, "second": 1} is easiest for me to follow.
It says {"hour": 6, "minute": 34, "second": 5}
